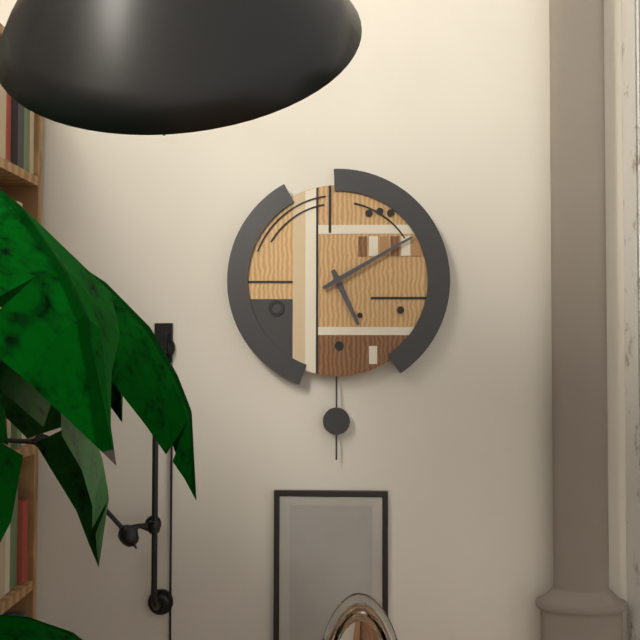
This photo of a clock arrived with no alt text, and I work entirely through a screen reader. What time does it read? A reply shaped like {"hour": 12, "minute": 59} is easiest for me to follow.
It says {"hour": 5, "minute": 10}
